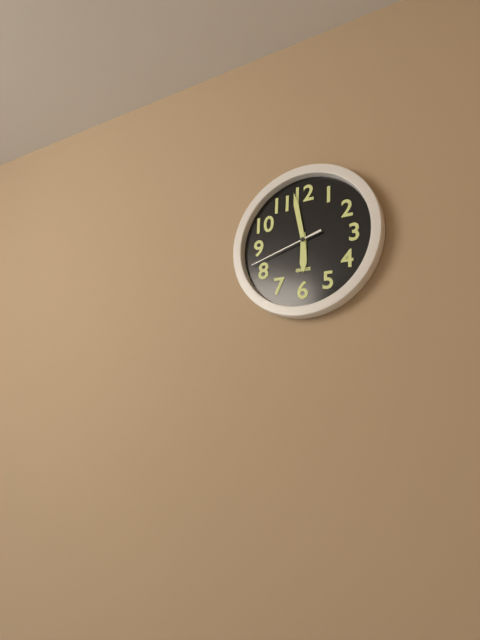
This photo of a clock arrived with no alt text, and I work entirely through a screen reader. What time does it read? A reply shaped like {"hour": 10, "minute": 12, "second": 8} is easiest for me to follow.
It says {"hour": 5, "minute": 58, "second": 42}
